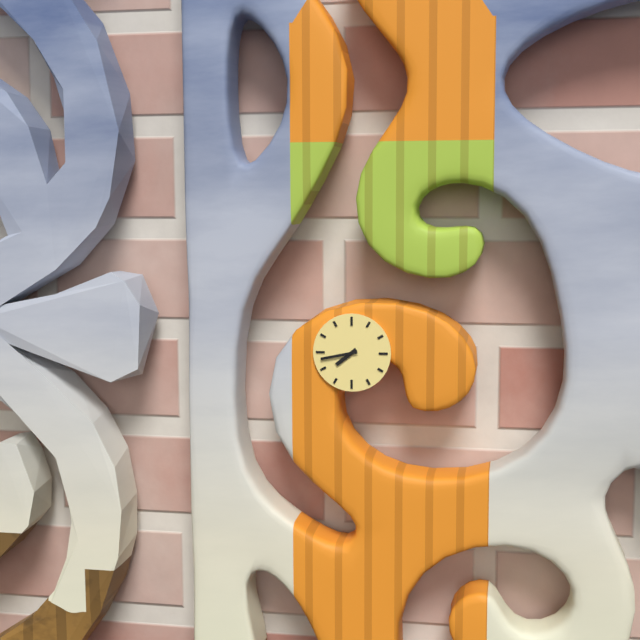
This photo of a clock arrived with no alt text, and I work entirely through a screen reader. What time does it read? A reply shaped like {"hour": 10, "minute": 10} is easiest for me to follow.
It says {"hour": 7, "minute": 43}
